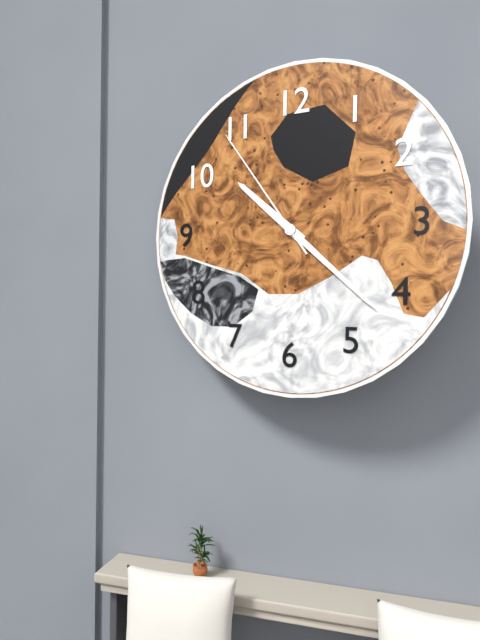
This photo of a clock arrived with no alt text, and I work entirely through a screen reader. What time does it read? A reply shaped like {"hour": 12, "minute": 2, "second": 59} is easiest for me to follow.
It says {"hour": 10, "minute": 22, "second": 54}
